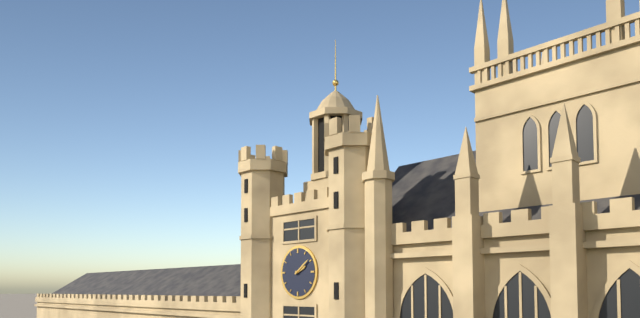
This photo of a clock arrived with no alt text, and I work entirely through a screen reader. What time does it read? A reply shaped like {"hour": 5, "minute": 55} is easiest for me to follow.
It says {"hour": 2, "minute": 9}
